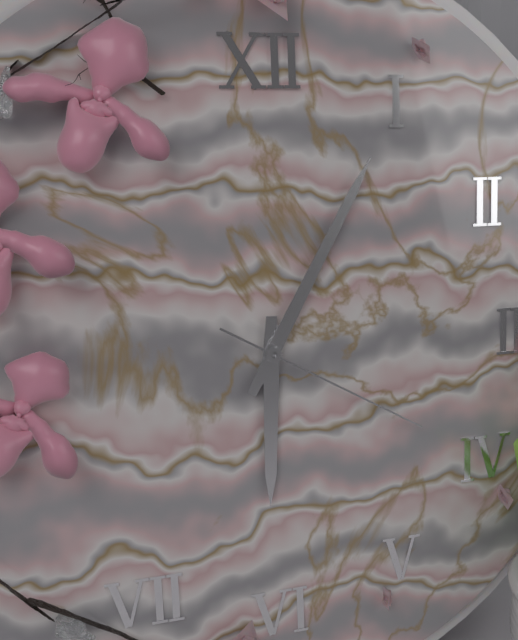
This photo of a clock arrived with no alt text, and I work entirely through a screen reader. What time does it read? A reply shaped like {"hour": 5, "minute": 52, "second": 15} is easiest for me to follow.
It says {"hour": 6, "minute": 5, "second": 20}
